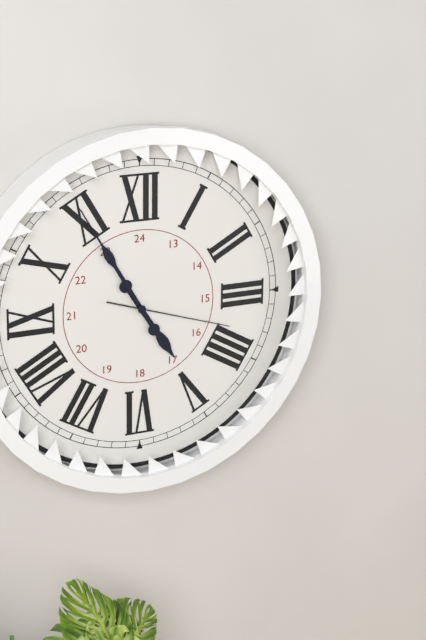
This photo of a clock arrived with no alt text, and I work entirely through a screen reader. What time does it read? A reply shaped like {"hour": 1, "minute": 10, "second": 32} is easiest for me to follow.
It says {"hour": 4, "minute": 55, "second": 18}
